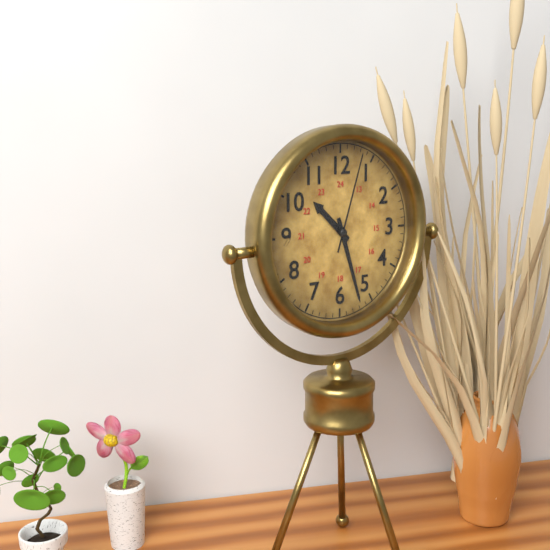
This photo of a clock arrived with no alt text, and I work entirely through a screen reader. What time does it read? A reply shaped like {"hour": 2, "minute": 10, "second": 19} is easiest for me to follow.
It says {"hour": 10, "minute": 27, "second": 3}
